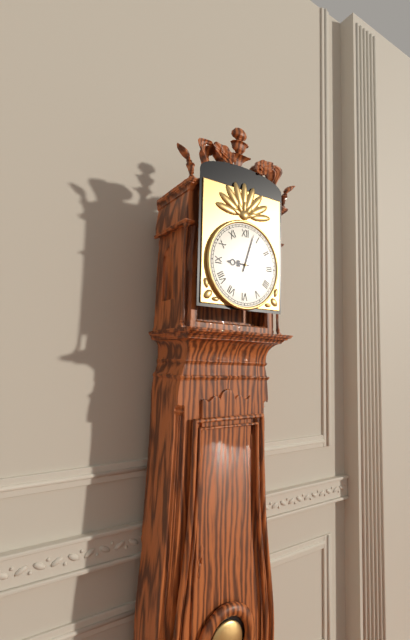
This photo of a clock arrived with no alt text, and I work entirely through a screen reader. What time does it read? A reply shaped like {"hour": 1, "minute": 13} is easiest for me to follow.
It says {"hour": 9, "minute": 3}
